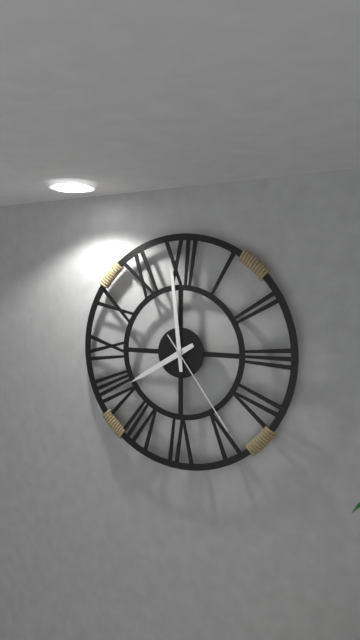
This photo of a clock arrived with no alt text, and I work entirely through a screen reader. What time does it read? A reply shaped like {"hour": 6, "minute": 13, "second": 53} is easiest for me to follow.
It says {"hour": 7, "minute": 59, "second": 24}
